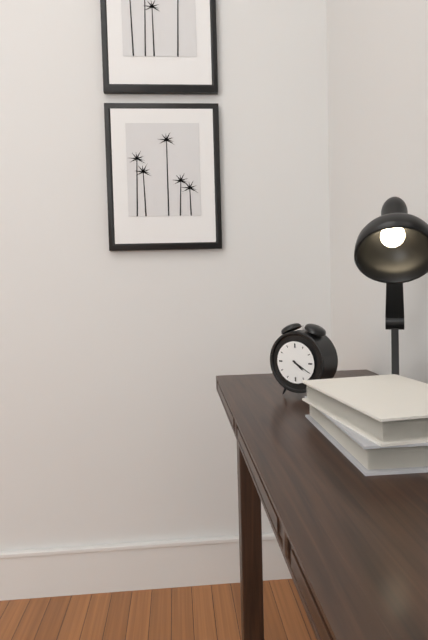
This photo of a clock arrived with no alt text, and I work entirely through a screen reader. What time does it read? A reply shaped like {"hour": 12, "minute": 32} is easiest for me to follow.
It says {"hour": 4, "minute": 20}
